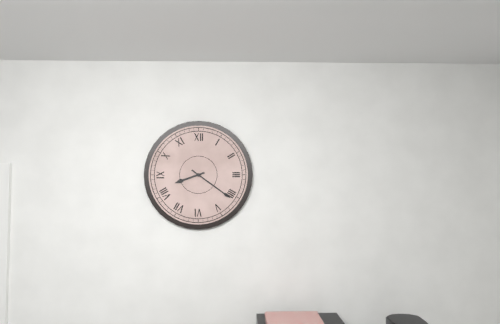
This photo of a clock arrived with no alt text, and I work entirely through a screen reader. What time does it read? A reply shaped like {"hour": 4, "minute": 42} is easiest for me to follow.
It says {"hour": 8, "minute": 21}
